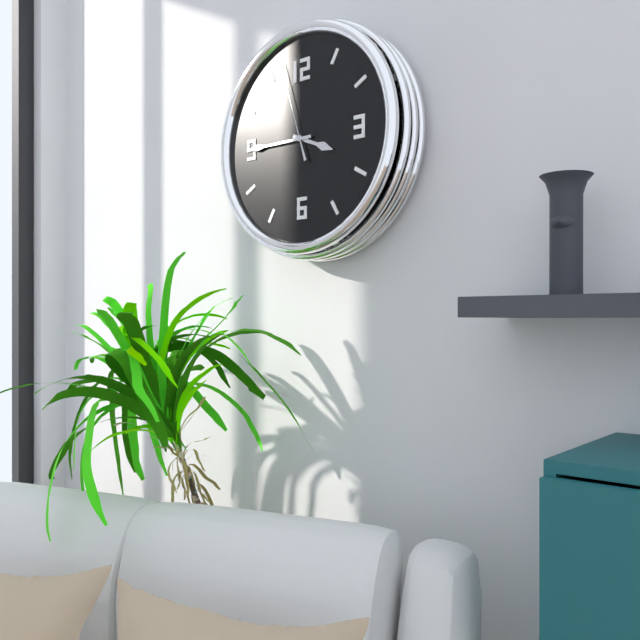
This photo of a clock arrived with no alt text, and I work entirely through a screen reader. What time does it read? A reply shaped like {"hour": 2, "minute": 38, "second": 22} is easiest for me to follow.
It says {"hour": 3, "minute": 45, "second": 57}
